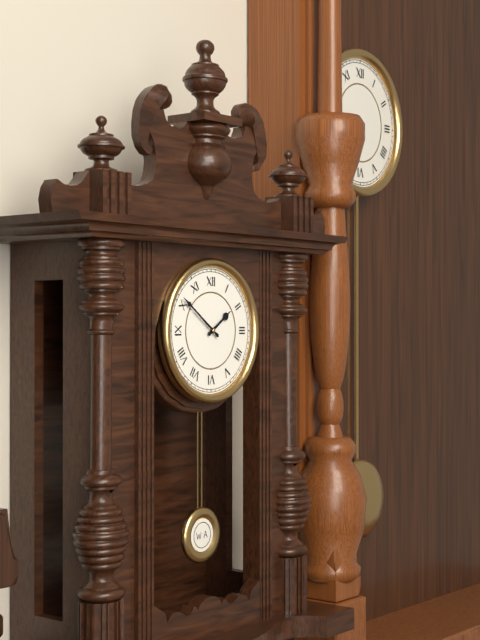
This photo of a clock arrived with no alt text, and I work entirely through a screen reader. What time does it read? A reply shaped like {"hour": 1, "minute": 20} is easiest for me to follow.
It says {"hour": 1, "minute": 51}
